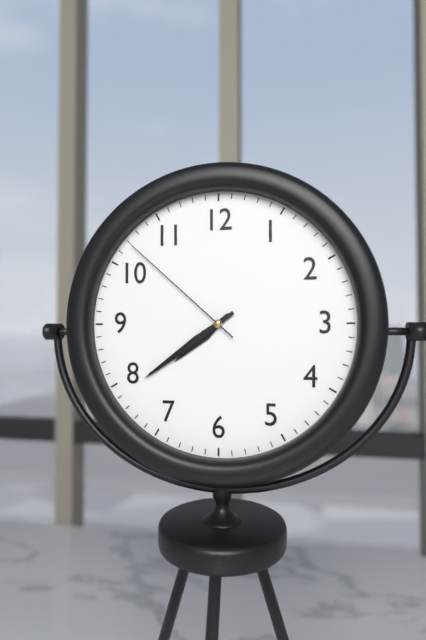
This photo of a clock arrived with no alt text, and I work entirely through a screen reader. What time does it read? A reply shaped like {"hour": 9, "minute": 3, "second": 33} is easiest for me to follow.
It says {"hour": 7, "minute": 39, "second": 52}
